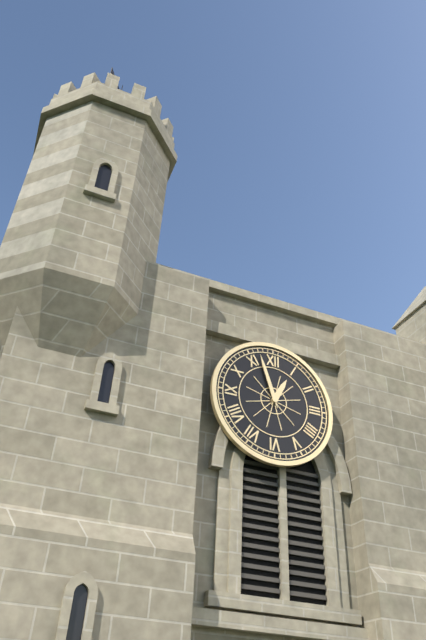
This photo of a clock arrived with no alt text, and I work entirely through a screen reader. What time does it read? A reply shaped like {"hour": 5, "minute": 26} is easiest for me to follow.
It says {"hour": 12, "minute": 57}
